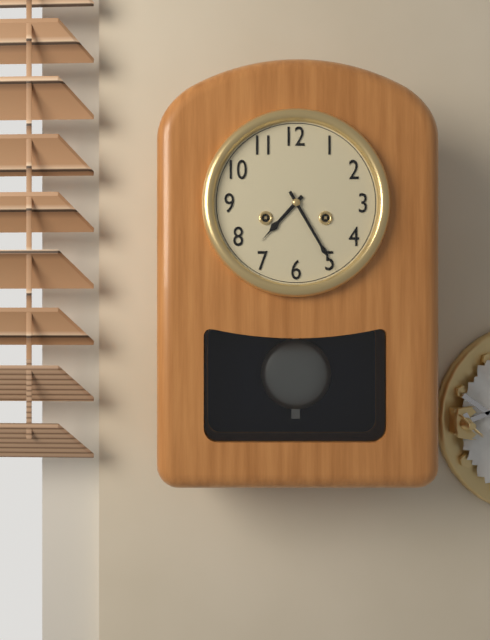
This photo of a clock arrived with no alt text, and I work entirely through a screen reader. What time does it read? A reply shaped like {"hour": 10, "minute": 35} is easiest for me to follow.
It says {"hour": 7, "minute": 25}
